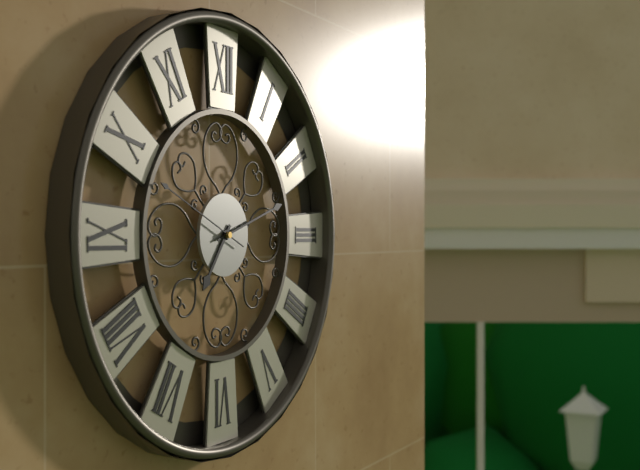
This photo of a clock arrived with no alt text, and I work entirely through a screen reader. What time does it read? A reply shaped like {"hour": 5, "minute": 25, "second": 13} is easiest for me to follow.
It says {"hour": 7, "minute": 12, "second": 49}
